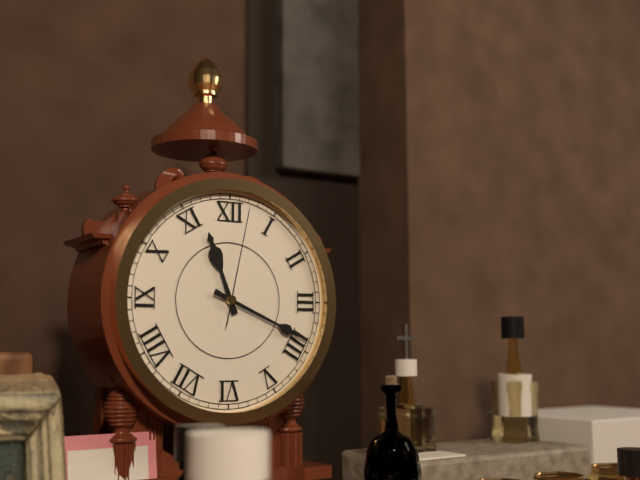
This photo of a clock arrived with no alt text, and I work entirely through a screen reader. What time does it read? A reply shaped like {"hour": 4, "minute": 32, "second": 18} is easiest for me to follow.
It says {"hour": 11, "minute": 19, "second": 2}
